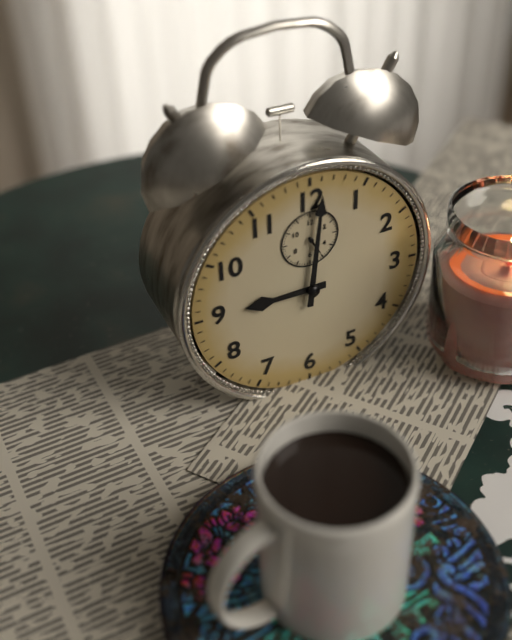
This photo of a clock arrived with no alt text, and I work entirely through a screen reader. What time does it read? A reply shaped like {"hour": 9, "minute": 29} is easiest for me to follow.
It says {"hour": 9, "minute": 1}
